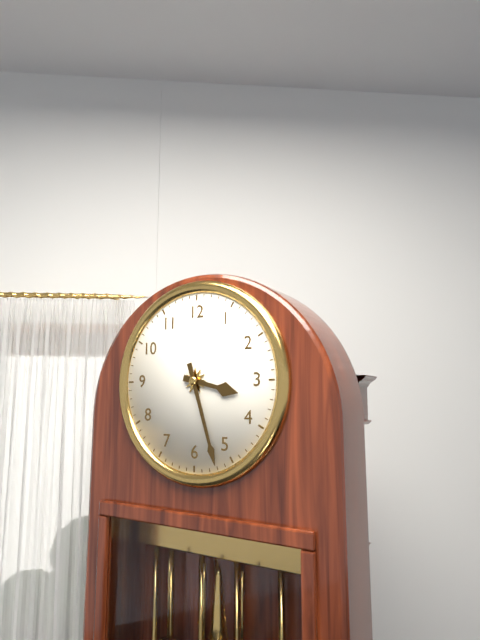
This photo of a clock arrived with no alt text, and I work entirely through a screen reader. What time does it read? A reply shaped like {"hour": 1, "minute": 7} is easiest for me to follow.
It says {"hour": 3, "minute": 27}
